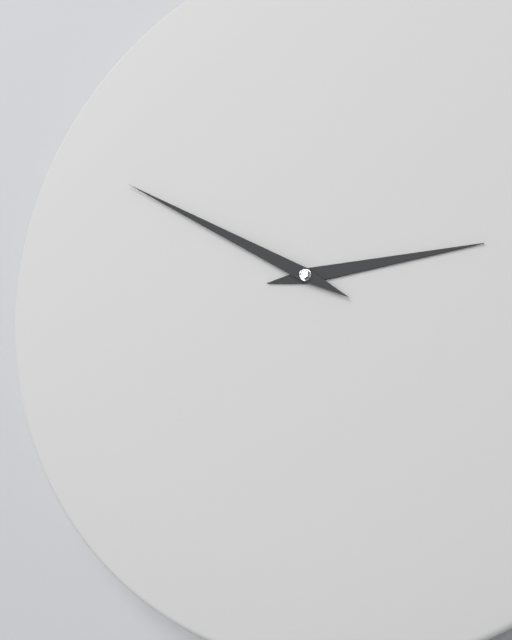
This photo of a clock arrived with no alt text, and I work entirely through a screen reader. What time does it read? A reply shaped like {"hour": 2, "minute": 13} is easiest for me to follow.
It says {"hour": 2, "minute": 50}
